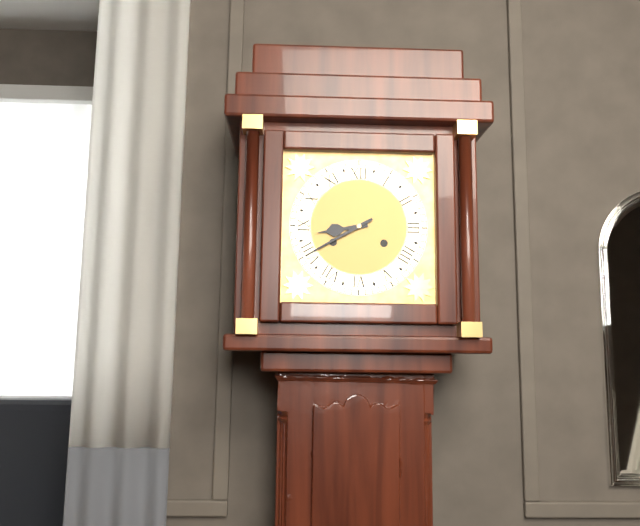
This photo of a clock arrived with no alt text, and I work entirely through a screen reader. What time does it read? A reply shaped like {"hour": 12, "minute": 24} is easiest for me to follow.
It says {"hour": 8, "minute": 40}
